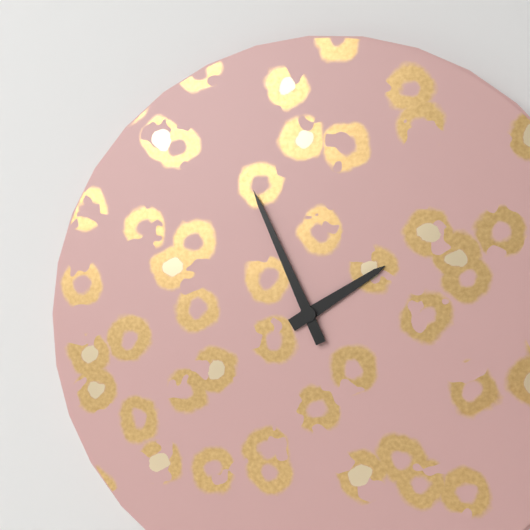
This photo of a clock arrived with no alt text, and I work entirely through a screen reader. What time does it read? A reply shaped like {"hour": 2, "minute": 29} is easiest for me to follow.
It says {"hour": 1, "minute": 56}
